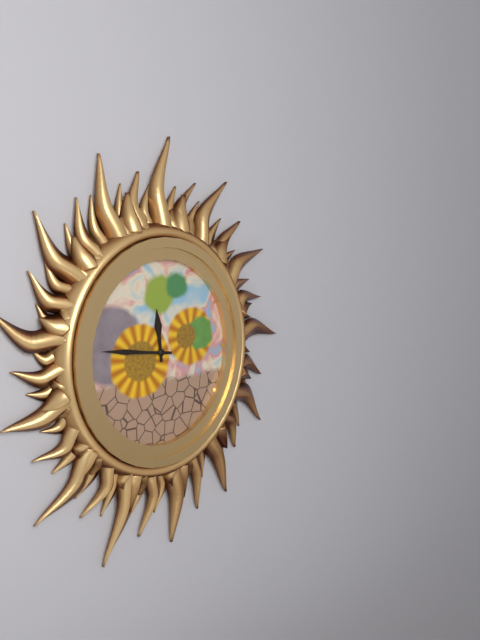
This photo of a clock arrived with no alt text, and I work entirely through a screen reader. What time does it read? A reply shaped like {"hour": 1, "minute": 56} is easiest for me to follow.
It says {"hour": 11, "minute": 46}
